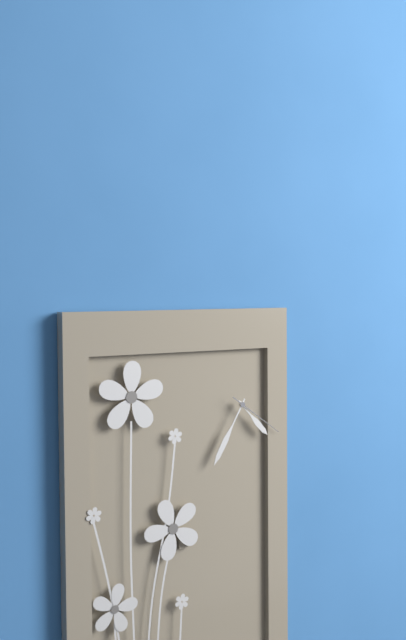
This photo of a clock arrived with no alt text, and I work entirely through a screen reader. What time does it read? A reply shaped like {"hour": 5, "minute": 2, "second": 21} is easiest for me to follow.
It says {"hour": 4, "minute": 35, "second": 21}
